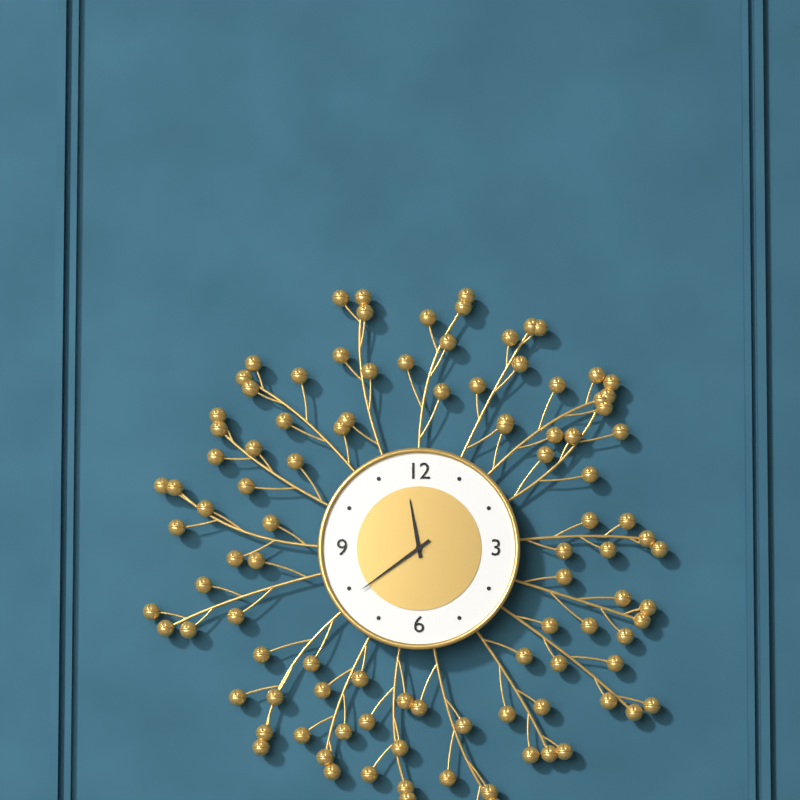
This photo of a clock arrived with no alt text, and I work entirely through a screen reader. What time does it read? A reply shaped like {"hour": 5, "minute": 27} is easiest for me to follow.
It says {"hour": 11, "minute": 39}
